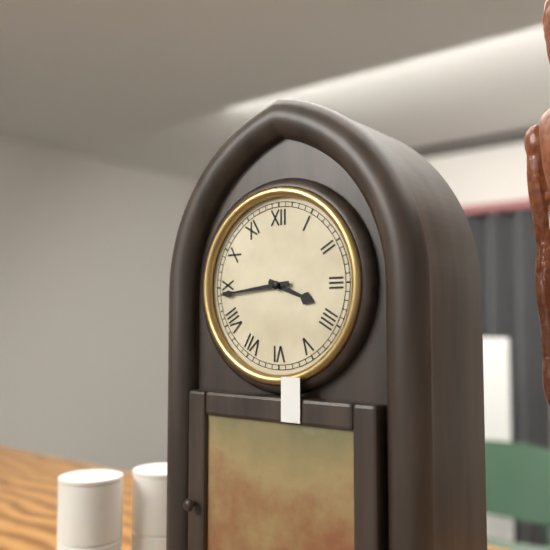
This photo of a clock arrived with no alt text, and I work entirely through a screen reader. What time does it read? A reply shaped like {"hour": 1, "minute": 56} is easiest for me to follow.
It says {"hour": 3, "minute": 44}
